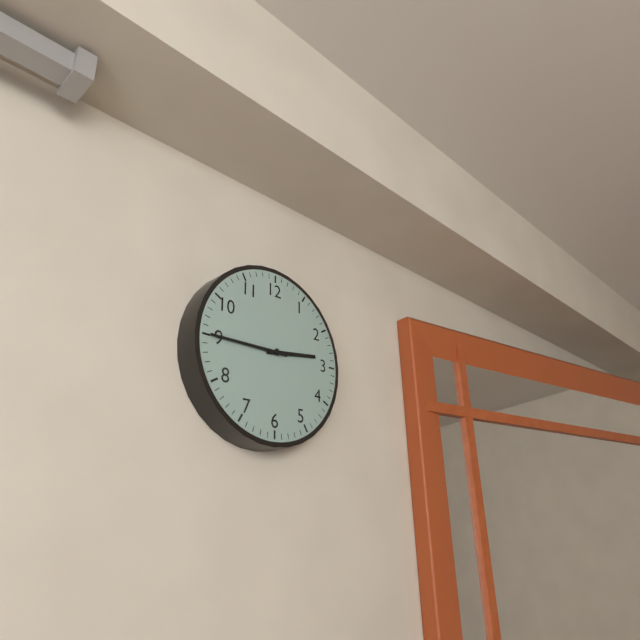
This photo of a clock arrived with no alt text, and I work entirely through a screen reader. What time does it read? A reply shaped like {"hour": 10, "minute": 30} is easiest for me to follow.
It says {"hour": 2, "minute": 45}
